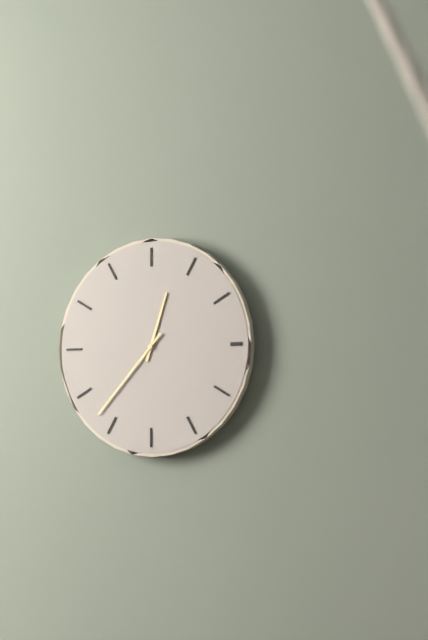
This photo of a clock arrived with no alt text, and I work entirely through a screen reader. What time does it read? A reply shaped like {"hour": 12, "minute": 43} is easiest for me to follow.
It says {"hour": 12, "minute": 37}
